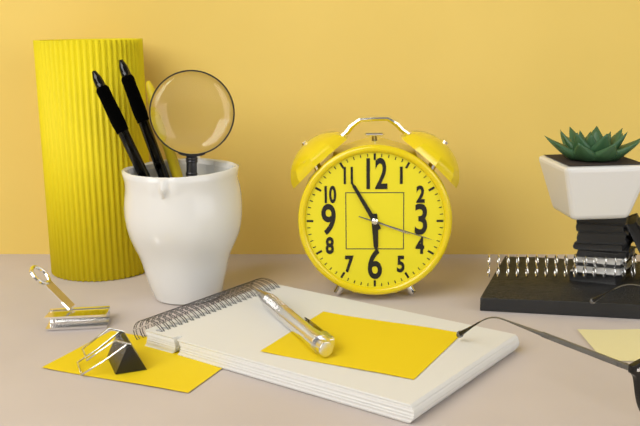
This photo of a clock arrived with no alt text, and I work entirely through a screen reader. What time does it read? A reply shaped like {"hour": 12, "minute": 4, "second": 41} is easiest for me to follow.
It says {"hour": 5, "minute": 55, "second": 18}
